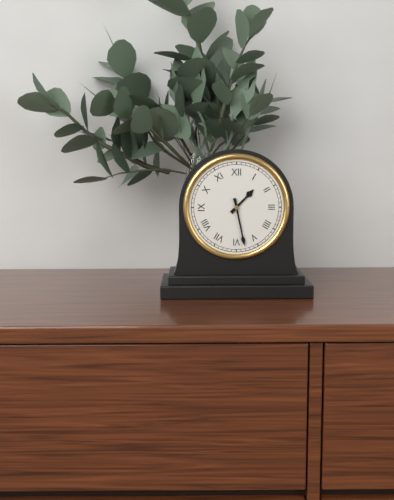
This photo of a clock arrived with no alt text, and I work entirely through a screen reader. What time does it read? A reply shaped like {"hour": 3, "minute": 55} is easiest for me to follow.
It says {"hour": 1, "minute": 28}
